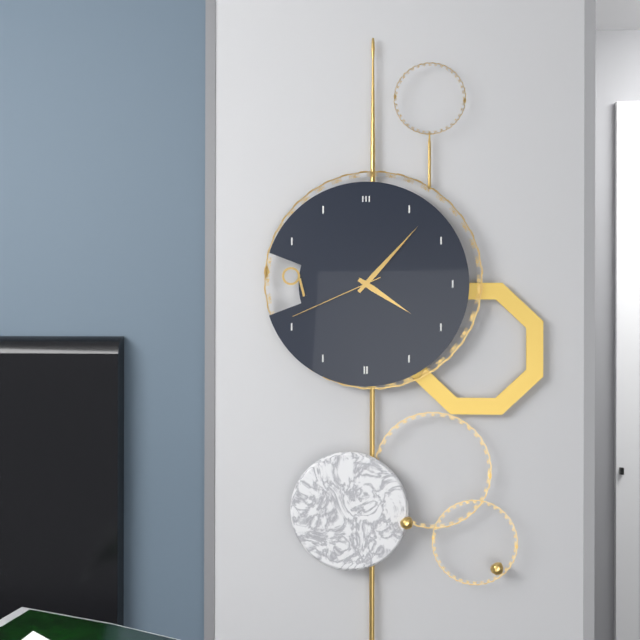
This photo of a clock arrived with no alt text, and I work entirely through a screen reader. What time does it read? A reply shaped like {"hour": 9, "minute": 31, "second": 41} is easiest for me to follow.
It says {"hour": 4, "minute": 7, "second": 41}
